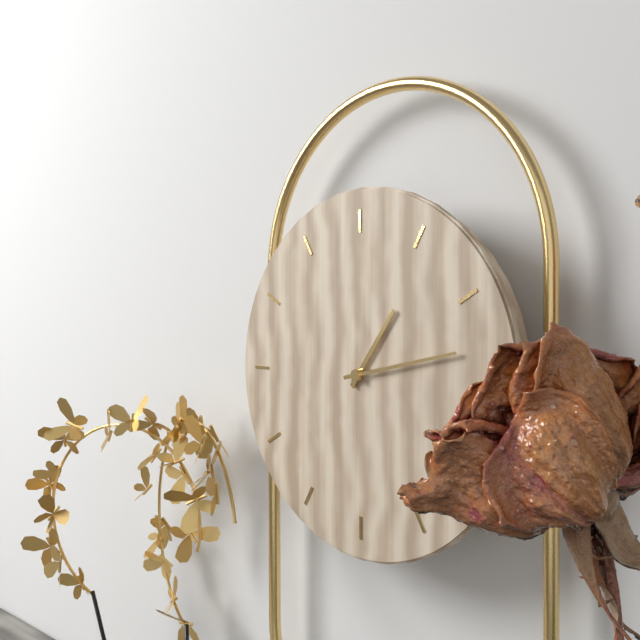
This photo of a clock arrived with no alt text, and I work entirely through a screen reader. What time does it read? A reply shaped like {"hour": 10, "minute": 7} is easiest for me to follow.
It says {"hour": 1, "minute": 13}
